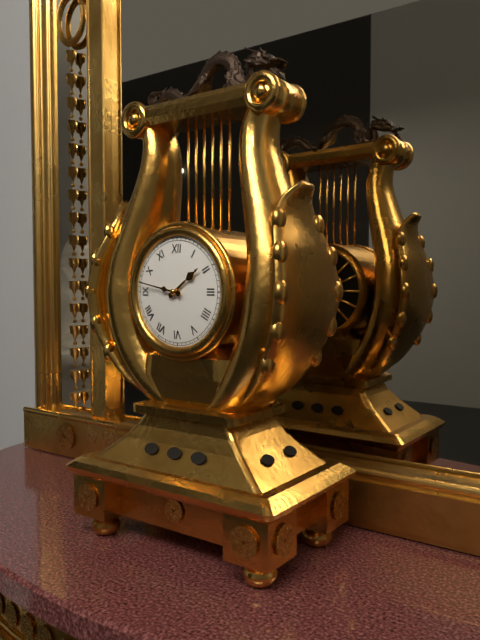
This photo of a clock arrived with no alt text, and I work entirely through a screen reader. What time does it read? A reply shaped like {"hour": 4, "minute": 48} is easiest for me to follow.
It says {"hour": 1, "minute": 47}
